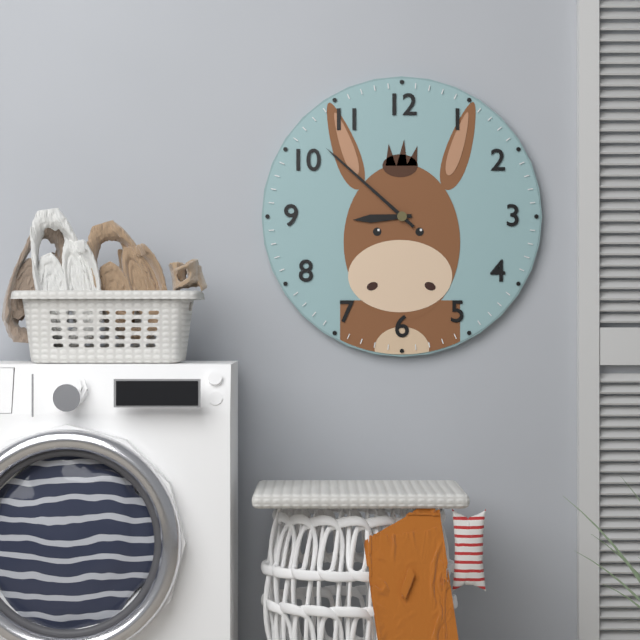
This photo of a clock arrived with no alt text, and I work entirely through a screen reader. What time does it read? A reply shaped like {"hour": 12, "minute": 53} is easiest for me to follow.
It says {"hour": 8, "minute": 52}
